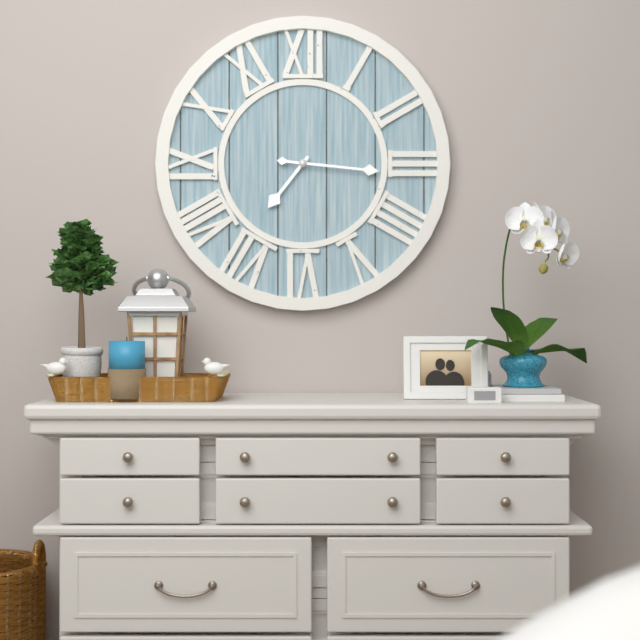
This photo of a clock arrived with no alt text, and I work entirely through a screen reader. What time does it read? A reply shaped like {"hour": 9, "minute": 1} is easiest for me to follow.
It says {"hour": 7, "minute": 16}
